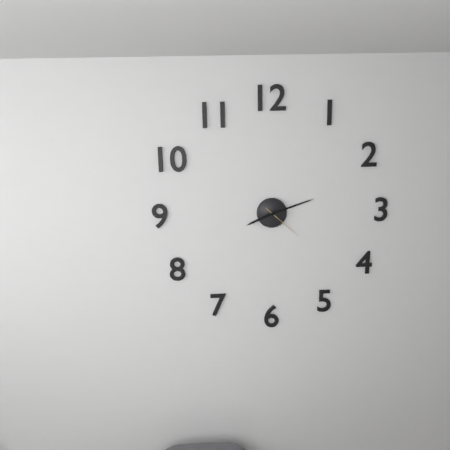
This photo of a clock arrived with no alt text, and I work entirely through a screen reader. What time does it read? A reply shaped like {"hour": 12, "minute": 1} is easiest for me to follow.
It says {"hour": 8, "minute": 12}
